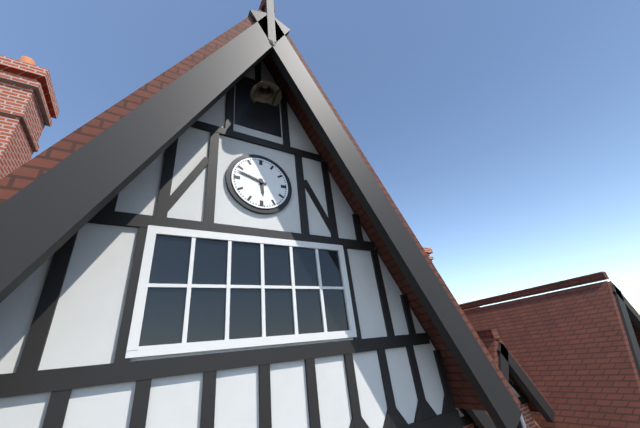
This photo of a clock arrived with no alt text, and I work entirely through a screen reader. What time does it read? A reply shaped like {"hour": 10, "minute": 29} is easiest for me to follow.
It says {"hour": 5, "minute": 48}
